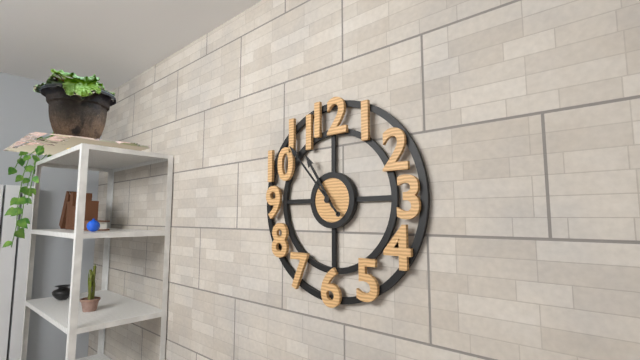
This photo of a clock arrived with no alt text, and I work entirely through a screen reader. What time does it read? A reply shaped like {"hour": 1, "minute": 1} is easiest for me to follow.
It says {"hour": 10, "minute": 53}
